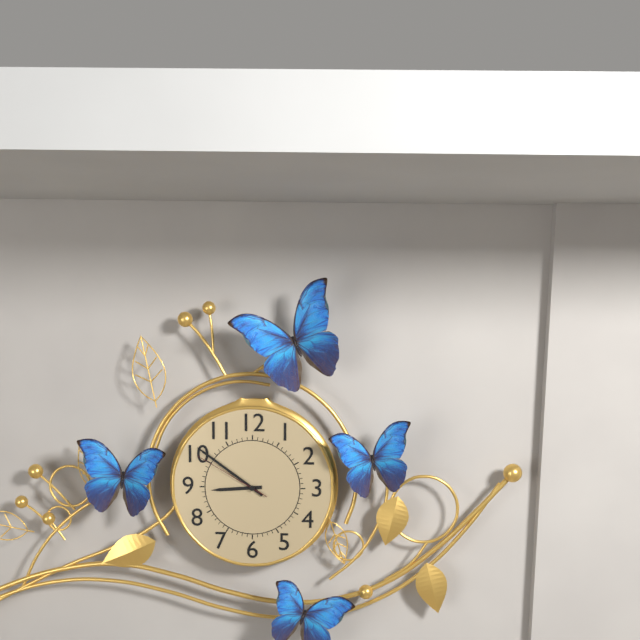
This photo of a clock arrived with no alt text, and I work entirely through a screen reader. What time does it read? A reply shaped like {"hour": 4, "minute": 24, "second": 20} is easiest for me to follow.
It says {"hour": 8, "minute": 51, "second": 50}
